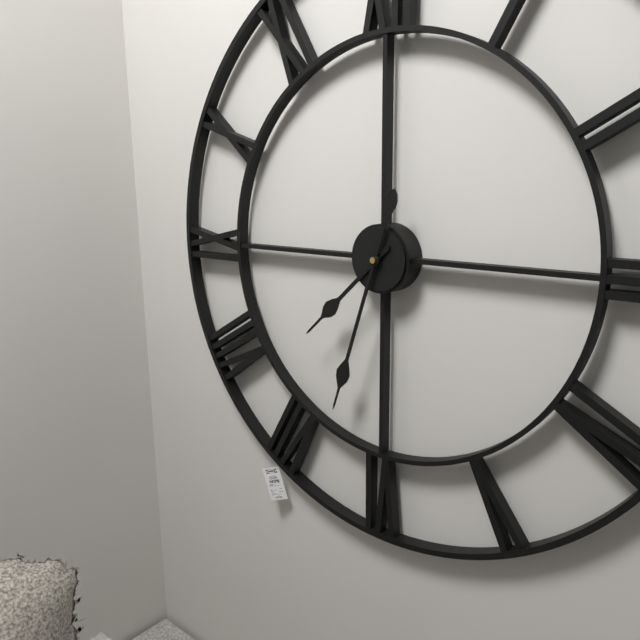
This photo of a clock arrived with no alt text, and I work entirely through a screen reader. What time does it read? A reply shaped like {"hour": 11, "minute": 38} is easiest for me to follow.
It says {"hour": 7, "minute": 33}
